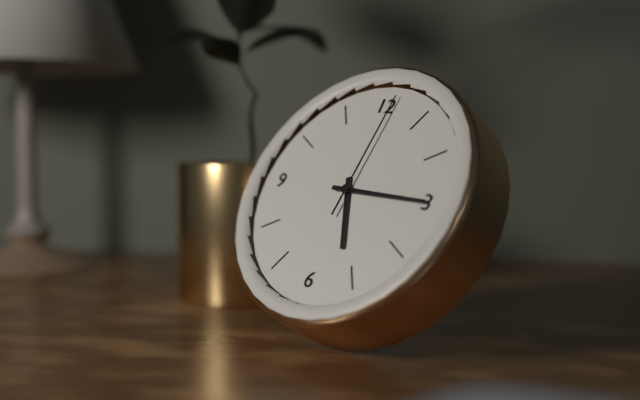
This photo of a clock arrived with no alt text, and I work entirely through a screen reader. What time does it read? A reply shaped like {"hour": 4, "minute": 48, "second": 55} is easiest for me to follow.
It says {"hour": 5, "minute": 15, "second": 1}
